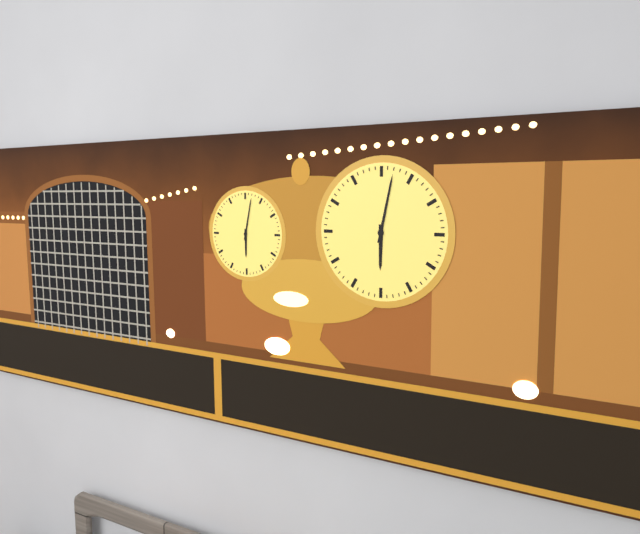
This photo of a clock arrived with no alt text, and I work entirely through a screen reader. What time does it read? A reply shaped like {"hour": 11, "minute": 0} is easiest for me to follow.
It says {"hour": 6, "minute": 2}
